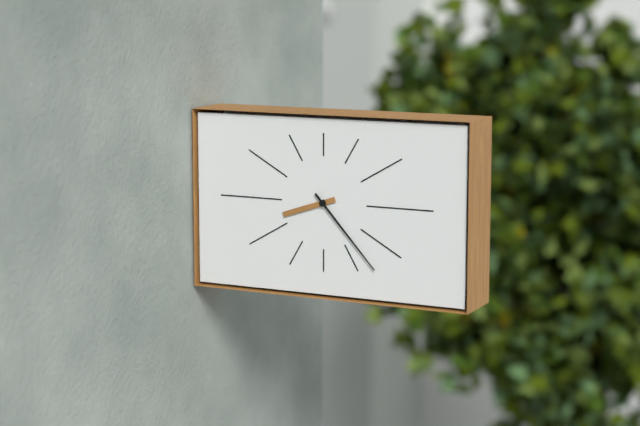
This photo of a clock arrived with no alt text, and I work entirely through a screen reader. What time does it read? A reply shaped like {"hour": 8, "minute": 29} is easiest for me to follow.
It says {"hour": 8, "minute": 23}
